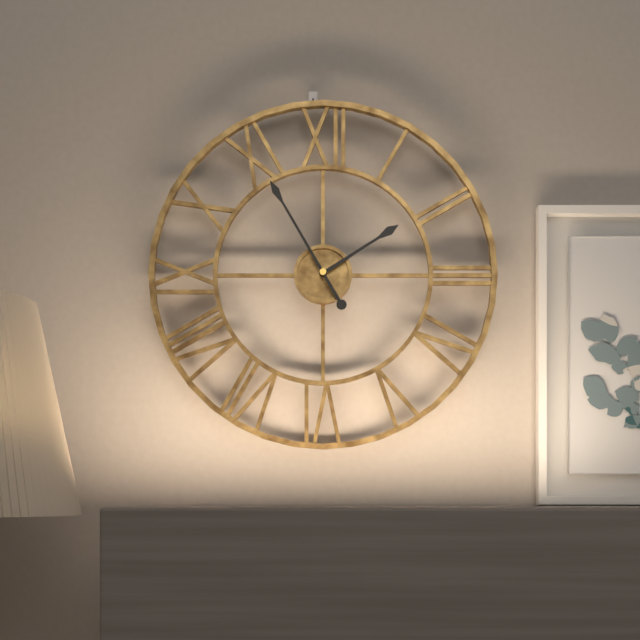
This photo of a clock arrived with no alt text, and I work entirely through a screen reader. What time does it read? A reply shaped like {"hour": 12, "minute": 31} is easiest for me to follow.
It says {"hour": 1, "minute": 55}
